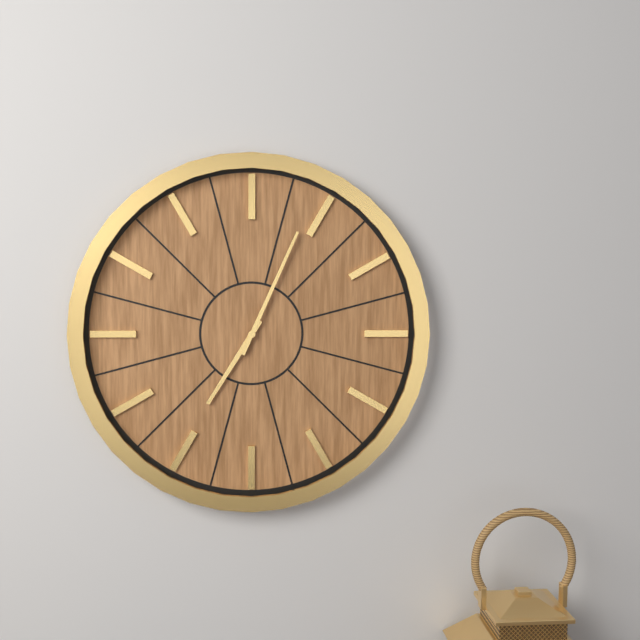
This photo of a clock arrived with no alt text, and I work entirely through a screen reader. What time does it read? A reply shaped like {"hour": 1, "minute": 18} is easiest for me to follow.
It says {"hour": 7, "minute": 4}
